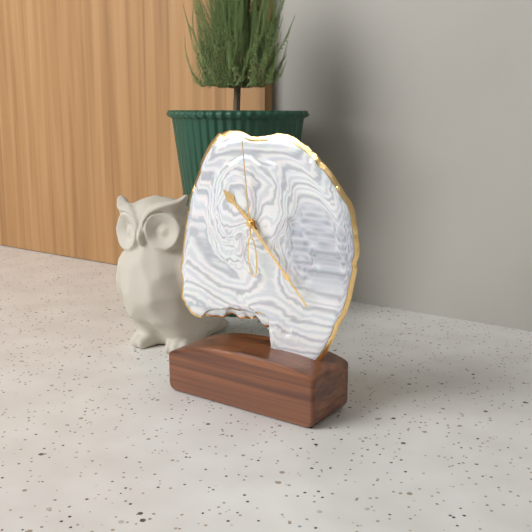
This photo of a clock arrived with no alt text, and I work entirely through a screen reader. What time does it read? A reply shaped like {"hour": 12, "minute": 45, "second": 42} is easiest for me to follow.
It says {"hour": 10, "minute": 23, "second": 59}
